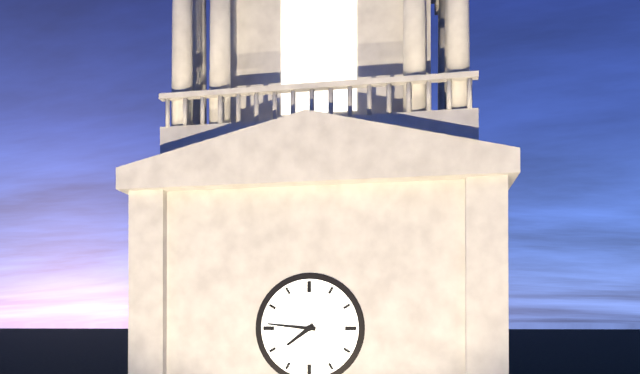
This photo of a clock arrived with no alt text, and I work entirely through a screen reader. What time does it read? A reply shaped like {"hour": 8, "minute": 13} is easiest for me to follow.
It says {"hour": 7, "minute": 46}
